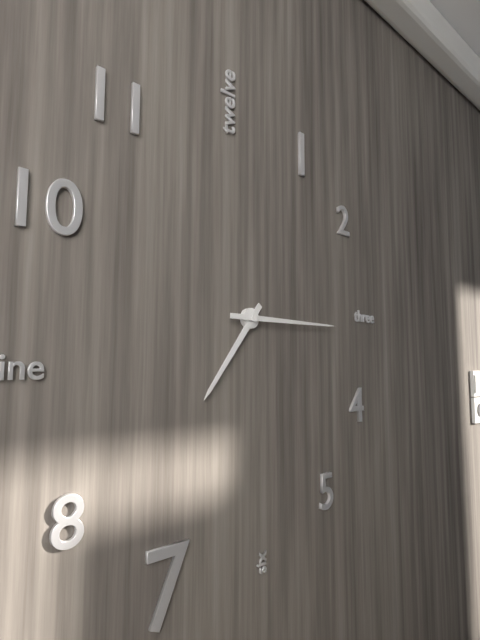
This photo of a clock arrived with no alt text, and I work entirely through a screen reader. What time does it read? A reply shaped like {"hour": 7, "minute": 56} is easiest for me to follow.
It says {"hour": 7, "minute": 15}
